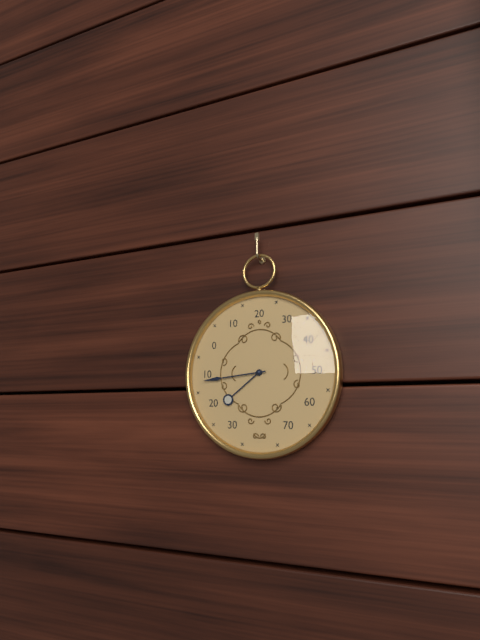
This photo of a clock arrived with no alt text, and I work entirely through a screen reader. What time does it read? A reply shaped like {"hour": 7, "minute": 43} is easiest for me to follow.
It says {"hour": 7, "minute": 44}
